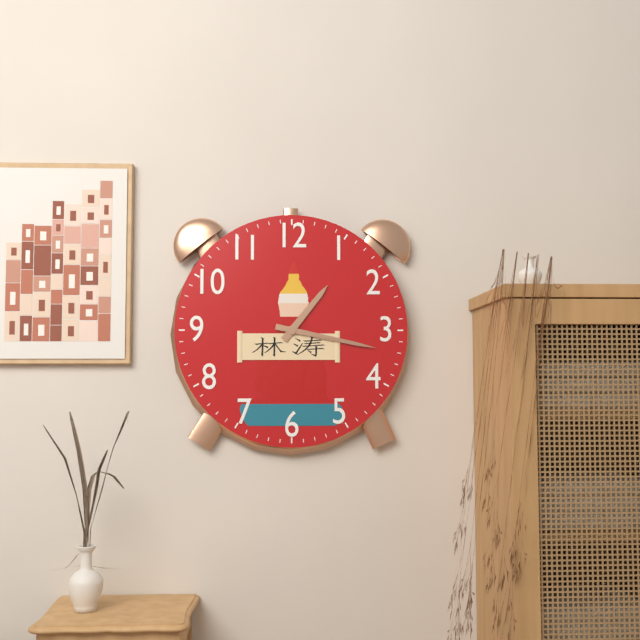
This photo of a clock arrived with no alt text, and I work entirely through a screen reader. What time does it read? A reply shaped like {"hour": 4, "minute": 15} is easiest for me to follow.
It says {"hour": 1, "minute": 17}
